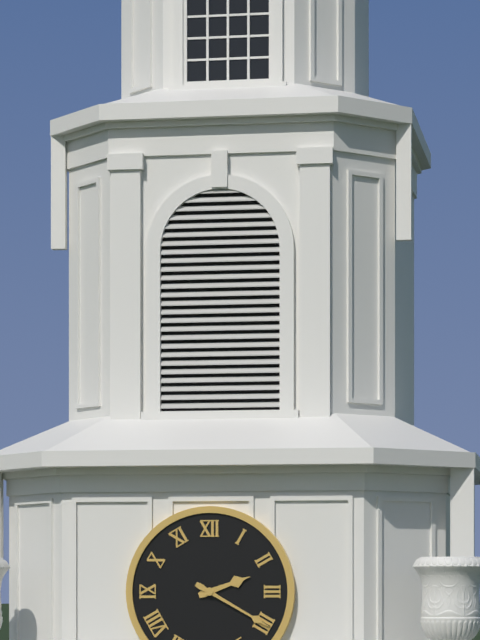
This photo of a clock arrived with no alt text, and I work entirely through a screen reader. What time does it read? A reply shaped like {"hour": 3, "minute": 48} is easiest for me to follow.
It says {"hour": 2, "minute": 20}
